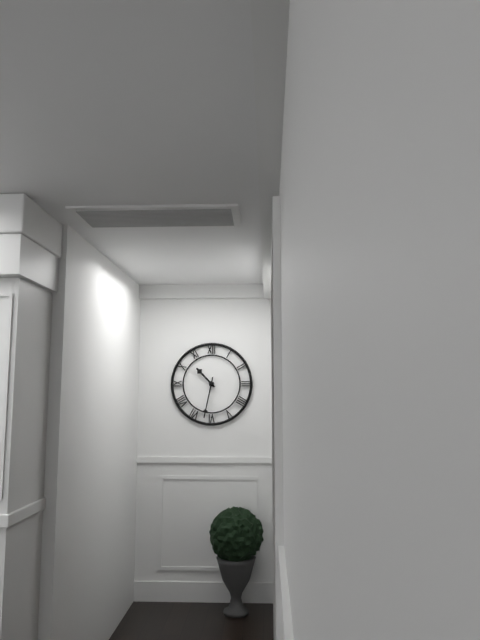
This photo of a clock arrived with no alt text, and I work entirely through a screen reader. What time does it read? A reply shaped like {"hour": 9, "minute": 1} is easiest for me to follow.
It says {"hour": 10, "minute": 32}
